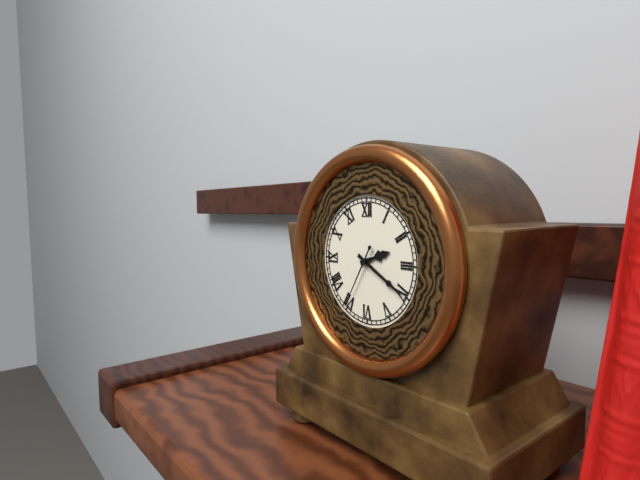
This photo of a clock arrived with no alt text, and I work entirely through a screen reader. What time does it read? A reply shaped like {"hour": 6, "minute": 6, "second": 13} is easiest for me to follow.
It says {"hour": 2, "minute": 20, "second": 35}
